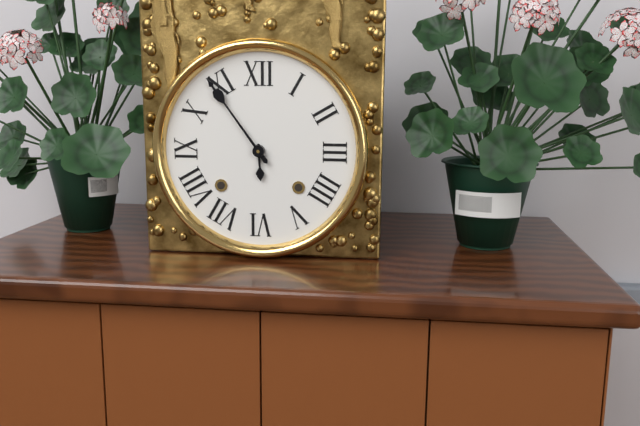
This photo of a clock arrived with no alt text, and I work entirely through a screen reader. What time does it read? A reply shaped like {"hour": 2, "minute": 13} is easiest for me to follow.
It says {"hour": 5, "minute": 54}
